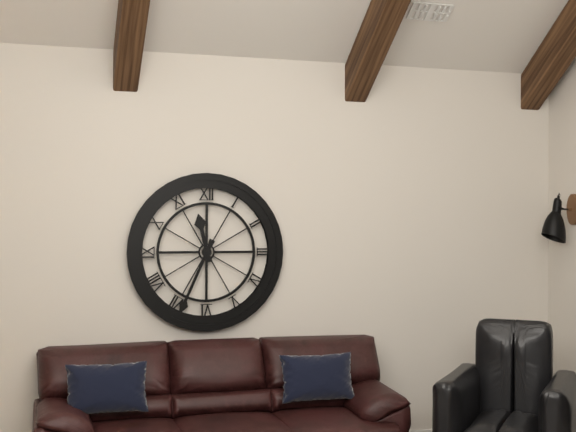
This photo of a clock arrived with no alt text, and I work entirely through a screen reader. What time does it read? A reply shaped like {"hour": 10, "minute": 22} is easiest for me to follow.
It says {"hour": 11, "minute": 34}
